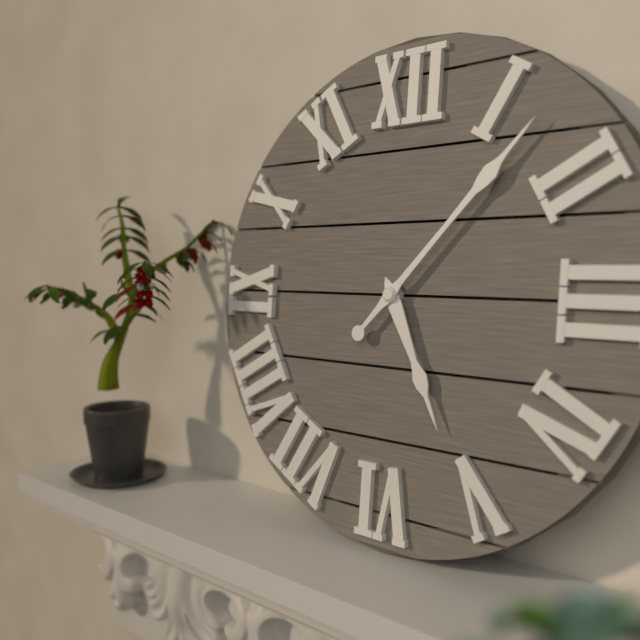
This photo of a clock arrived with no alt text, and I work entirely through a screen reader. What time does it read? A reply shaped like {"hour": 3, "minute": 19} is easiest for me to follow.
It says {"hour": 5, "minute": 7}
